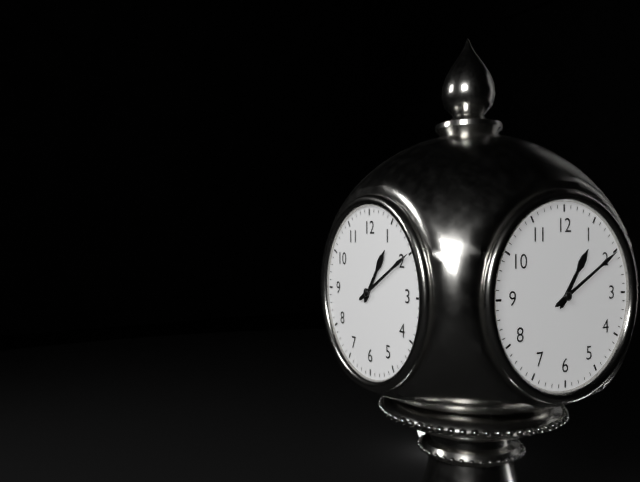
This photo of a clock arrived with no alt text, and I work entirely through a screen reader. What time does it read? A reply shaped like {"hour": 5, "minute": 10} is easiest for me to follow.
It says {"hour": 1, "minute": 10}
